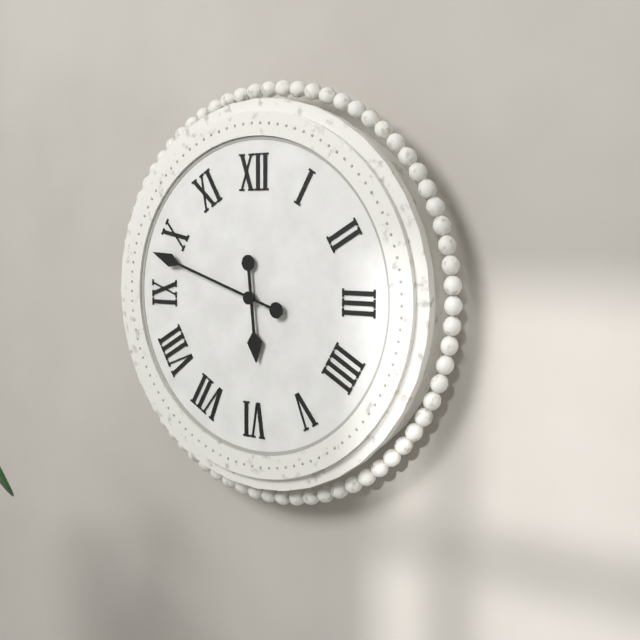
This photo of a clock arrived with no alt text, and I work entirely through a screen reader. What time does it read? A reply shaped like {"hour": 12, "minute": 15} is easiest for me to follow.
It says {"hour": 5, "minute": 48}
